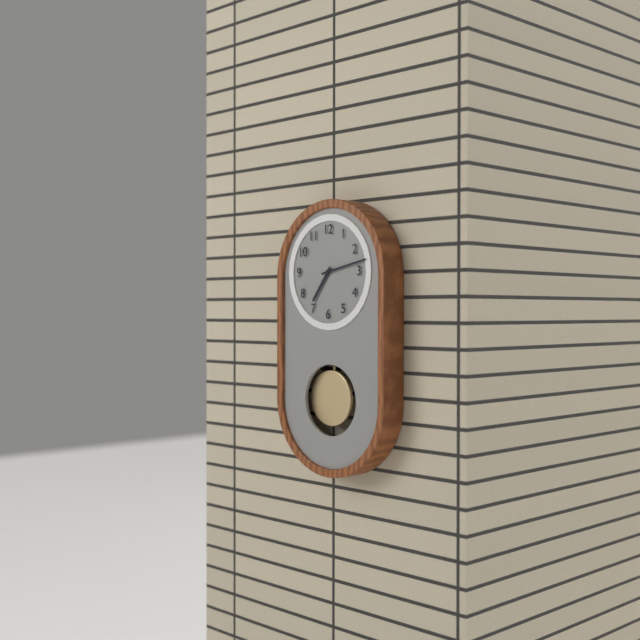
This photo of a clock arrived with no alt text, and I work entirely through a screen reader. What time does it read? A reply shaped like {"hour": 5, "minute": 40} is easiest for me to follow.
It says {"hour": 7, "minute": 13}
